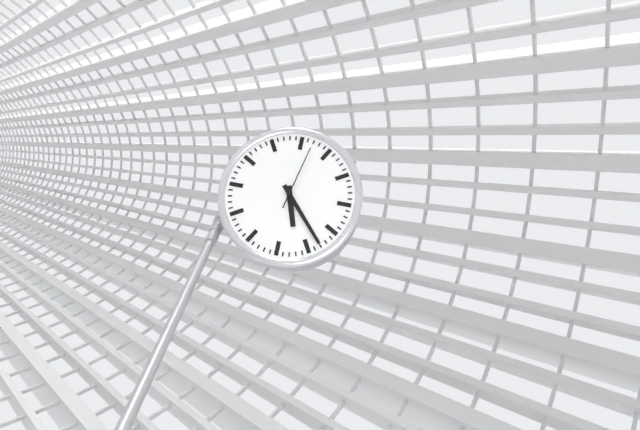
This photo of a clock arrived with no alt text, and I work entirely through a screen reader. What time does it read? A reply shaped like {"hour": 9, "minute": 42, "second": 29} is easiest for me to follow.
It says {"hour": 5, "minute": 23, "second": 2}
